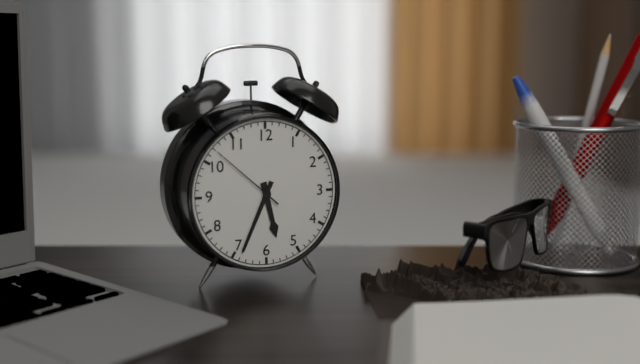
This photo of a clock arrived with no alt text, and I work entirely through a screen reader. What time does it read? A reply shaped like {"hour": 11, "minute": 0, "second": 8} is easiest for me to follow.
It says {"hour": 5, "minute": 34, "second": 52}
